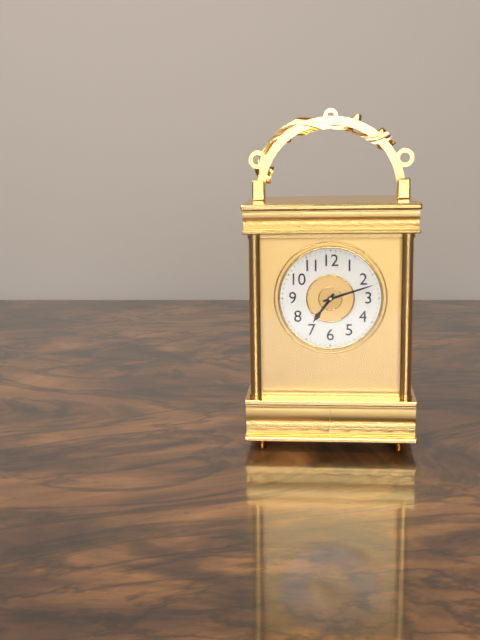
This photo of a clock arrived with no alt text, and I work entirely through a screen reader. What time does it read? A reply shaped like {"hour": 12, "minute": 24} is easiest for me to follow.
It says {"hour": 7, "minute": 12}
